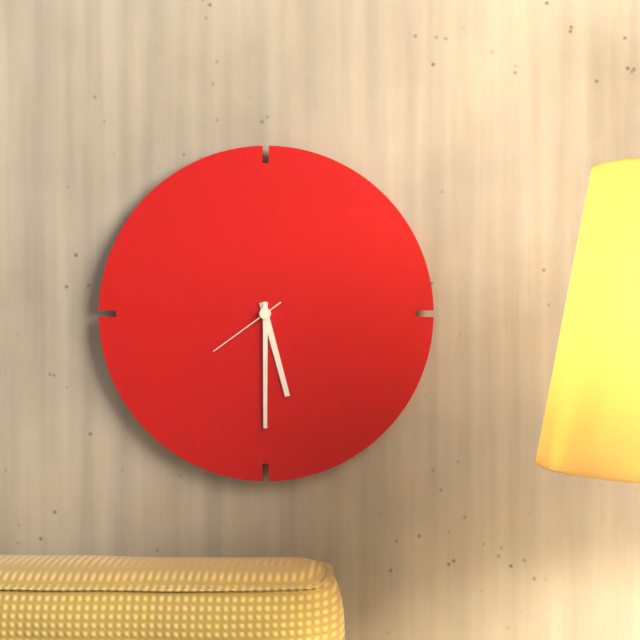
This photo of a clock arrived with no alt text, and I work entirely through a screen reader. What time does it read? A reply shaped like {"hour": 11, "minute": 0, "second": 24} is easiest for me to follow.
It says {"hour": 5, "minute": 30, "second": 39}
